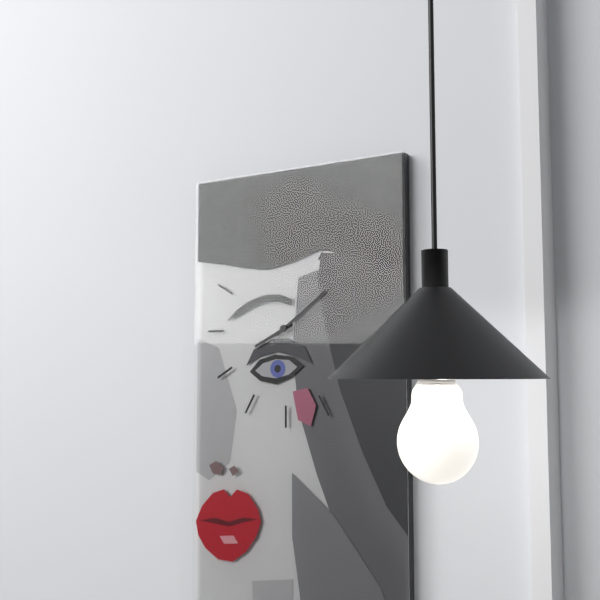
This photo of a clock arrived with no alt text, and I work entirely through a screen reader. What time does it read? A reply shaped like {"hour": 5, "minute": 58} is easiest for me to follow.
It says {"hour": 8, "minute": 9}
